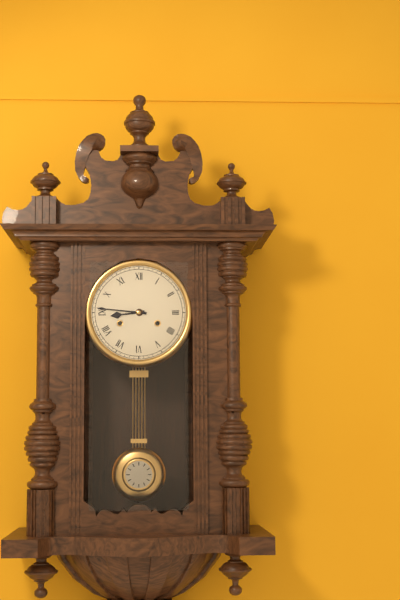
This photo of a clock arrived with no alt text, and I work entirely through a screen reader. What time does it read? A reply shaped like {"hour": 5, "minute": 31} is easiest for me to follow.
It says {"hour": 8, "minute": 46}
